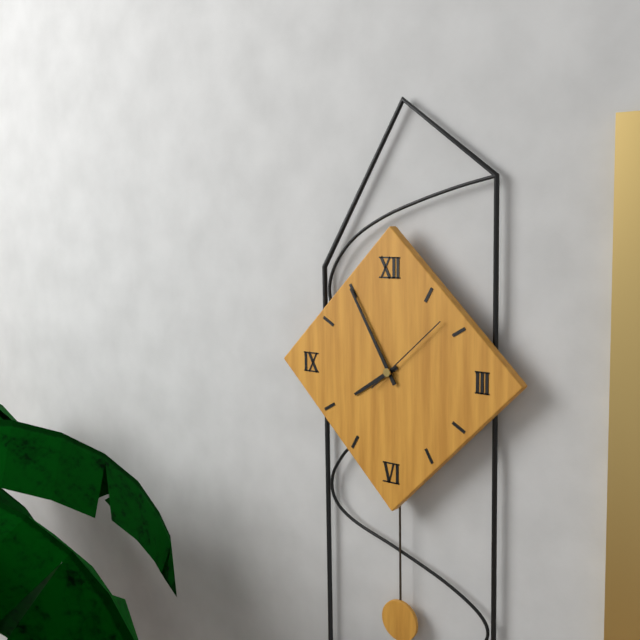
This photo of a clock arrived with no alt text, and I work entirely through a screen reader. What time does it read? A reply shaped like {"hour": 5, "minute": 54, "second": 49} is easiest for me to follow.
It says {"hour": 7, "minute": 55, "second": 8}
